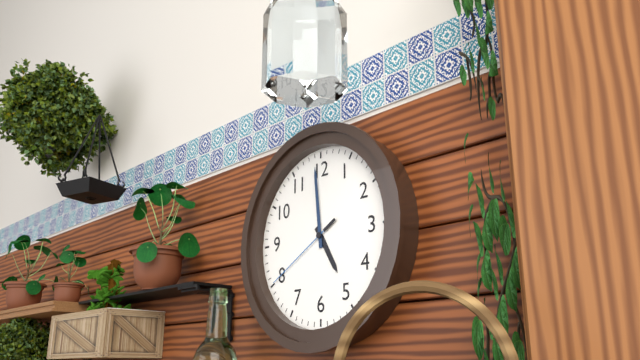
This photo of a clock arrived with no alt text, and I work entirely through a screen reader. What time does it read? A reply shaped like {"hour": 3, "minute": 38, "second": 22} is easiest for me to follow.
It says {"hour": 4, "minute": 59, "second": 40}
